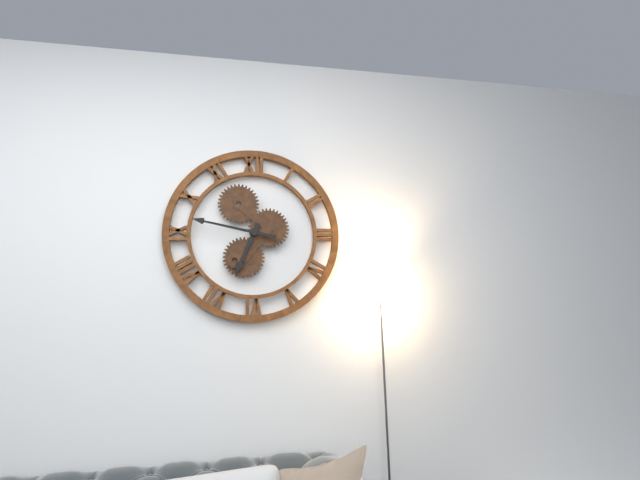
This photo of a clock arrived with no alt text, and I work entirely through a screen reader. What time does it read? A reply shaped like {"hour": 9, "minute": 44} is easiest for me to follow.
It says {"hour": 6, "minute": 47}
